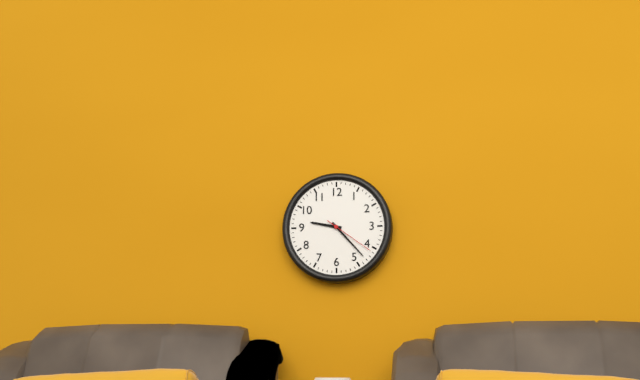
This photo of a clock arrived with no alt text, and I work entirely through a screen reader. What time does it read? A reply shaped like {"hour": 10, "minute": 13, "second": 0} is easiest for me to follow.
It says {"hour": 9, "minute": 23, "second": 21}
